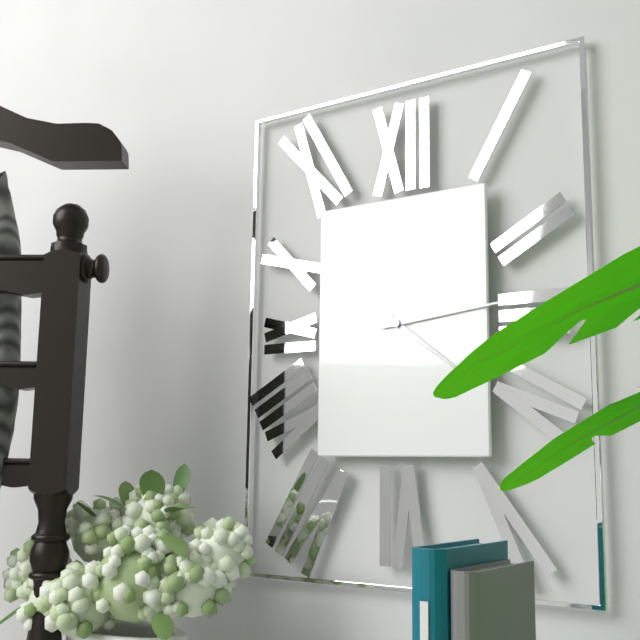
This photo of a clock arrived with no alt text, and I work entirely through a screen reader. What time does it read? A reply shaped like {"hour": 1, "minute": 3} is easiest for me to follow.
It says {"hour": 4, "minute": 14}
